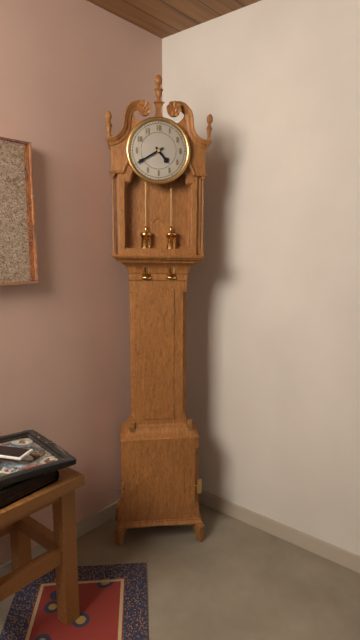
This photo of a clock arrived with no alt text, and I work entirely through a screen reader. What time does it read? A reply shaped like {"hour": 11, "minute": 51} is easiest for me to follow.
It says {"hour": 4, "minute": 40}
